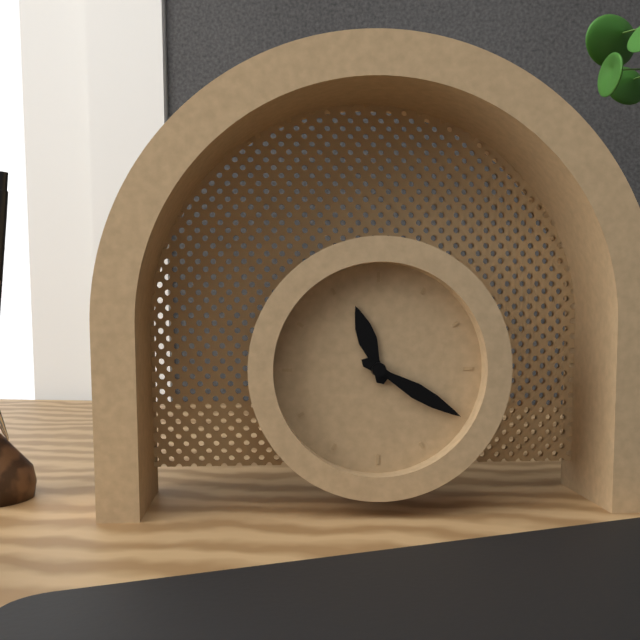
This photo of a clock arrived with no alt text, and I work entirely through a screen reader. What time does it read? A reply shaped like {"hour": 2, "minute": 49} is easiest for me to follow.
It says {"hour": 11, "minute": 20}
